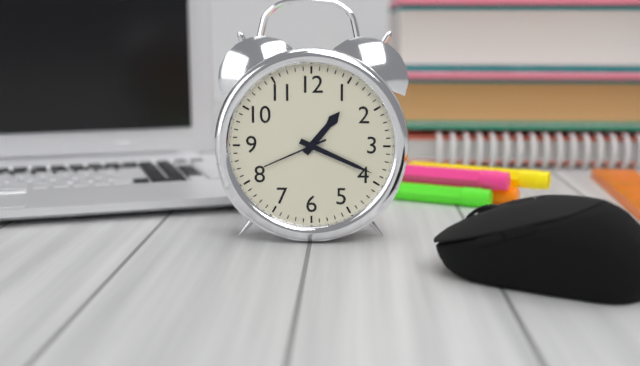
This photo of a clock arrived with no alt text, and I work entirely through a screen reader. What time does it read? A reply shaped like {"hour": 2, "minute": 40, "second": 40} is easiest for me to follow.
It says {"hour": 1, "minute": 19, "second": 41}
